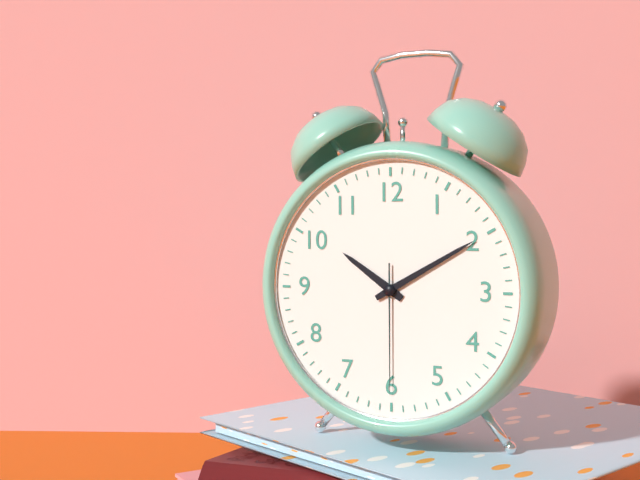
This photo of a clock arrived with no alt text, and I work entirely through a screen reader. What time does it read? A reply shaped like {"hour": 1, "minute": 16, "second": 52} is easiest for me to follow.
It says {"hour": 10, "minute": 10, "second": 30}
